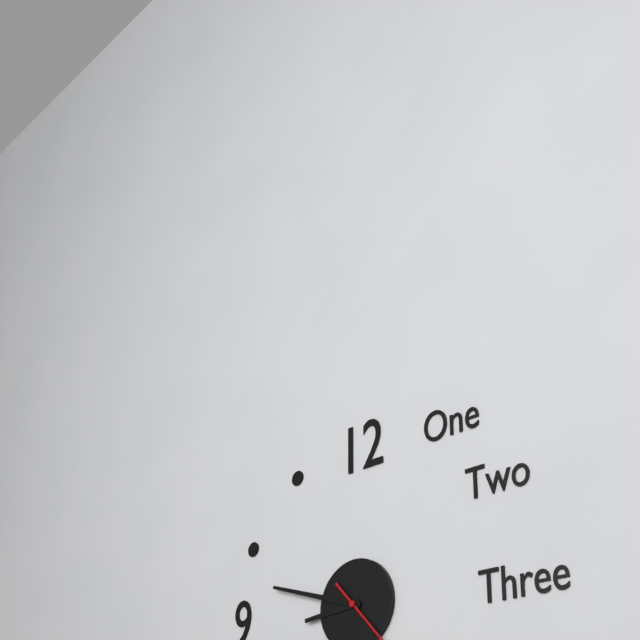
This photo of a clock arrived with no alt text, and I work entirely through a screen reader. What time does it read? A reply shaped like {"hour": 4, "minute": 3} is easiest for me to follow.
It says {"hour": 8, "minute": 48}
